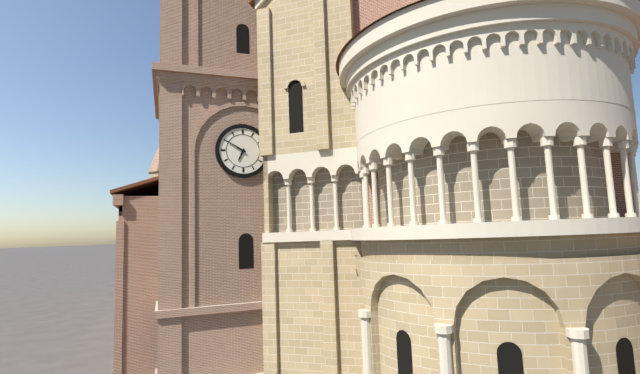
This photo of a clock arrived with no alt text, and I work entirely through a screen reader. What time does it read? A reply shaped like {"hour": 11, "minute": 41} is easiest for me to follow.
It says {"hour": 6, "minute": 50}
